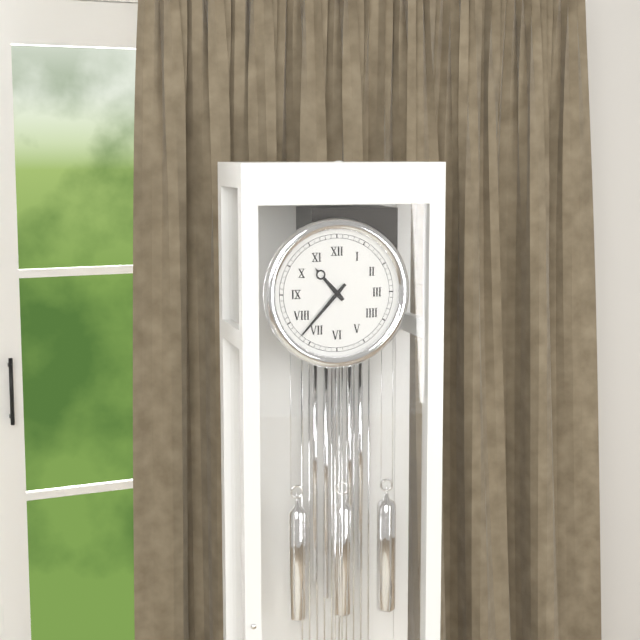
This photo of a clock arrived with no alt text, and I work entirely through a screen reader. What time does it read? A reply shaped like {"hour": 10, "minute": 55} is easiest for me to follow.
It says {"hour": 10, "minute": 37}
